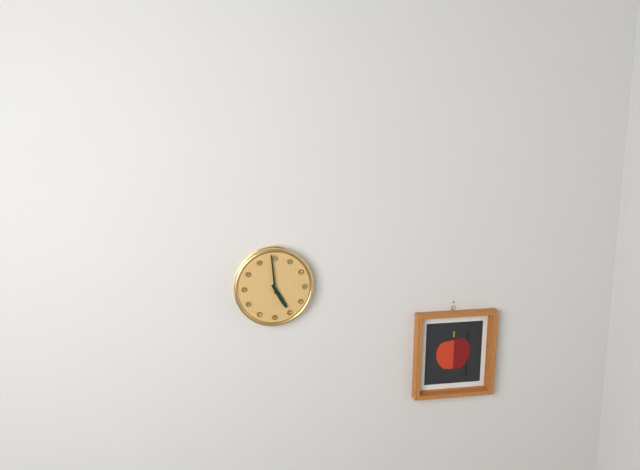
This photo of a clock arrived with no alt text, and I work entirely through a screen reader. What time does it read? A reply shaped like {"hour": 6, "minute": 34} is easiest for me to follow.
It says {"hour": 4, "minute": 59}
